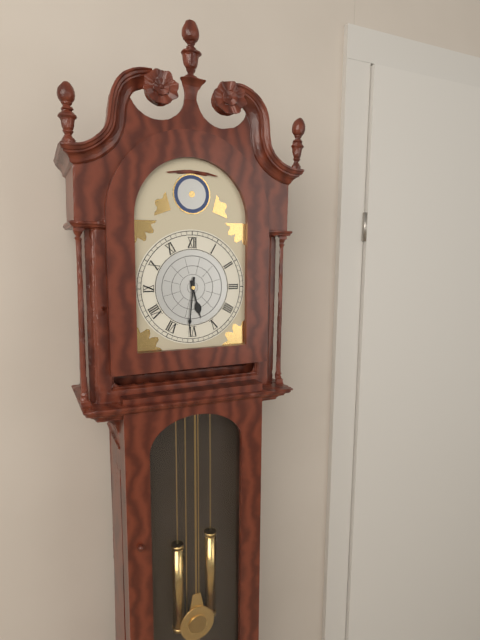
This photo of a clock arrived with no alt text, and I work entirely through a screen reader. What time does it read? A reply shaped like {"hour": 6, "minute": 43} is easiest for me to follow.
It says {"hour": 5, "minute": 31}
